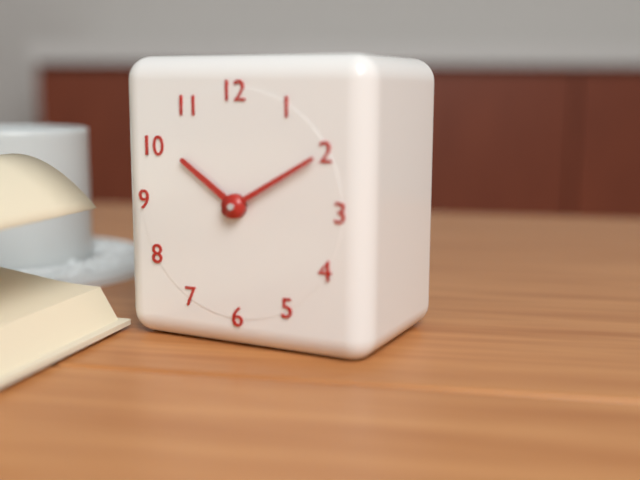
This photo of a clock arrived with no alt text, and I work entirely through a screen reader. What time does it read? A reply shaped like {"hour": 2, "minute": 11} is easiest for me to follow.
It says {"hour": 10, "minute": 10}
